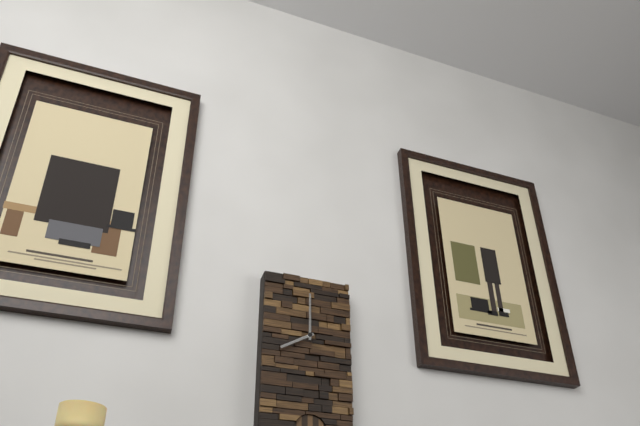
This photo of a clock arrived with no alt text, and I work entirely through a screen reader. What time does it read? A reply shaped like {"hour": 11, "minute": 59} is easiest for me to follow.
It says {"hour": 8, "minute": 0}
